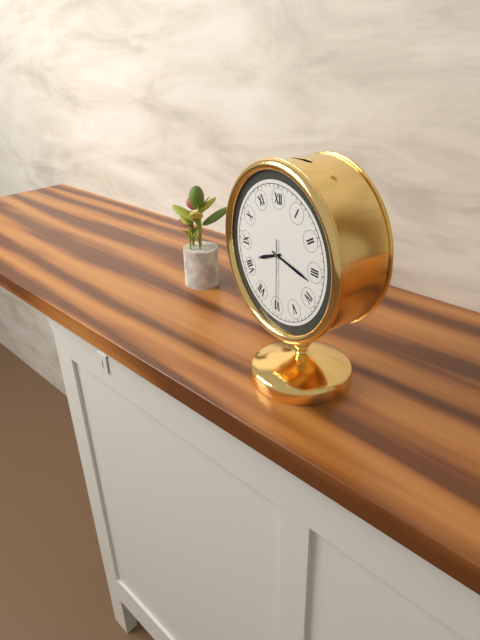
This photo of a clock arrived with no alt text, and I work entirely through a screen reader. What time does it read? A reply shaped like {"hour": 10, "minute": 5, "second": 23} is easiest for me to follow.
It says {"hour": 8, "minute": 17, "second": 30}
